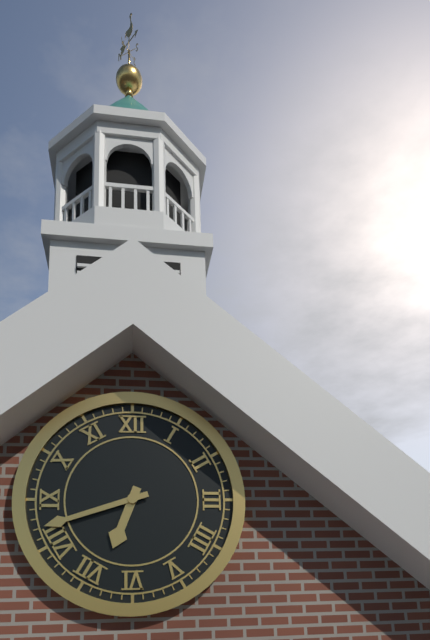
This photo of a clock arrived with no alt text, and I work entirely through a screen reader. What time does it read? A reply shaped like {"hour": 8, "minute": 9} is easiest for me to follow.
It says {"hour": 6, "minute": 42}
